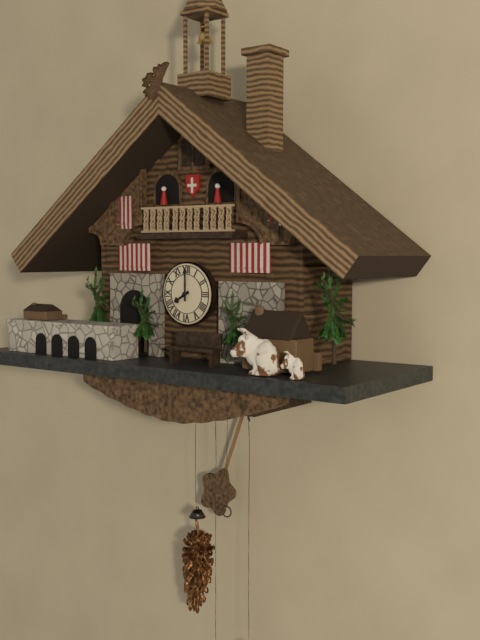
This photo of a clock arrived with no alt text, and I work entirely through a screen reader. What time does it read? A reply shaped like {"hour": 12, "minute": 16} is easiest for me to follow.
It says {"hour": 8, "minute": 0}
